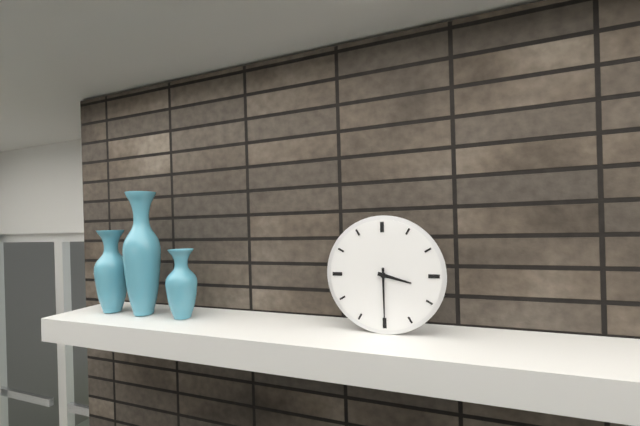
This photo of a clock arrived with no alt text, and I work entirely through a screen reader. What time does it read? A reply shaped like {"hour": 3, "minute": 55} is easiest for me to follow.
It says {"hour": 3, "minute": 30}
